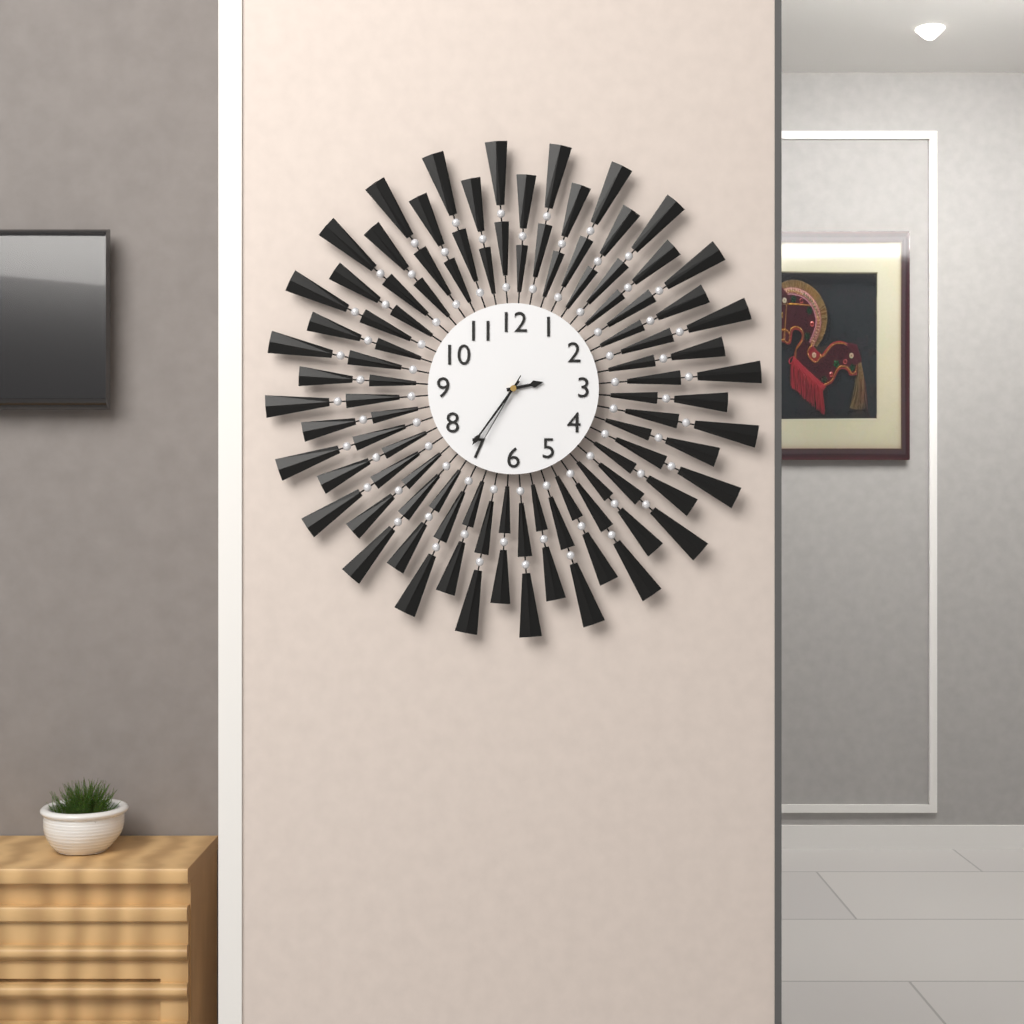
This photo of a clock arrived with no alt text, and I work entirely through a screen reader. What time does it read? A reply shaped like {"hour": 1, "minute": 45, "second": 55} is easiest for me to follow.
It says {"hour": 2, "minute": 36, "second": 35}
